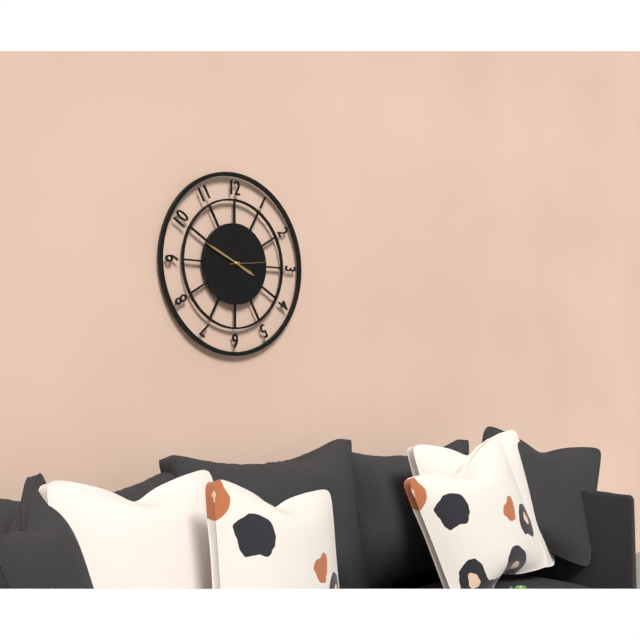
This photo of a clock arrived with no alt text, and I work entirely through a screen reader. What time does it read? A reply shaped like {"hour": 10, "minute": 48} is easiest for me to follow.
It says {"hour": 3, "minute": 49}
